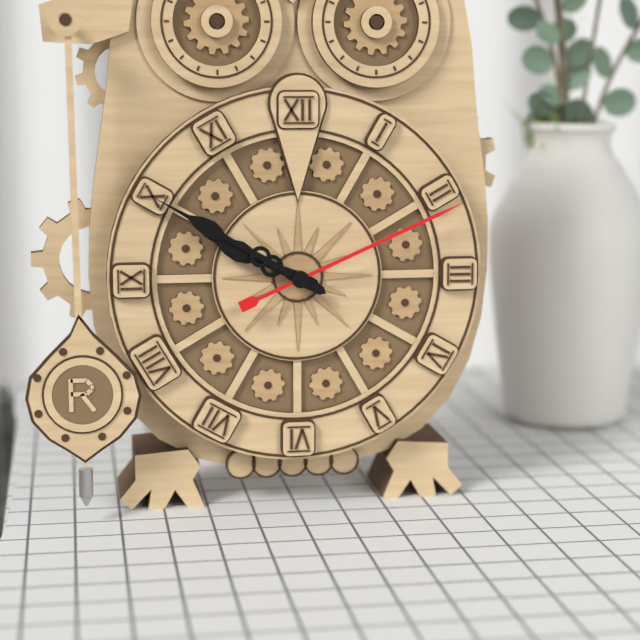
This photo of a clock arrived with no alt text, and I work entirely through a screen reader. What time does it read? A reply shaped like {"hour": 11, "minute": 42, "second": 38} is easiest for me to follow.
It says {"hour": 9, "minute": 50, "second": 11}
